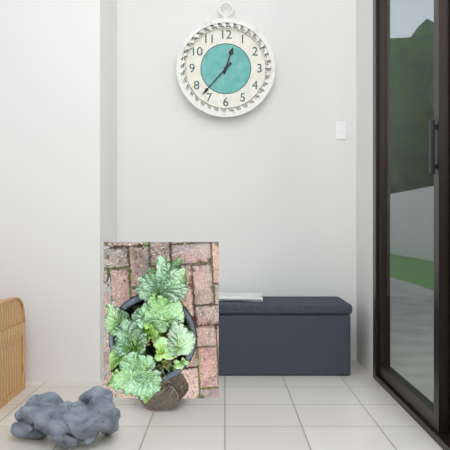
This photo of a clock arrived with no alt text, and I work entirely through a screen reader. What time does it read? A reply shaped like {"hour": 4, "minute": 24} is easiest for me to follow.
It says {"hour": 12, "minute": 37}
